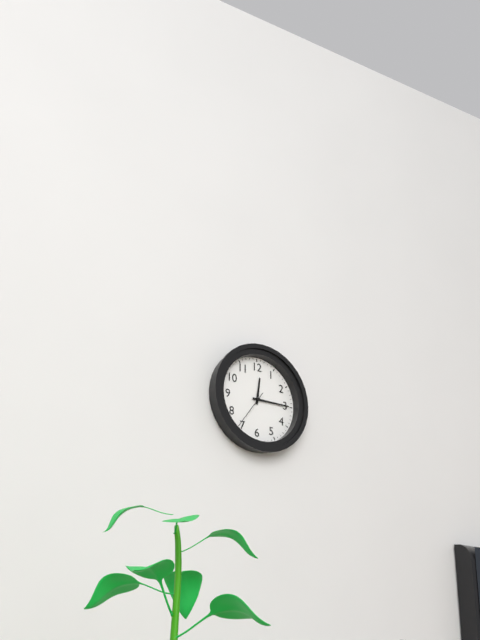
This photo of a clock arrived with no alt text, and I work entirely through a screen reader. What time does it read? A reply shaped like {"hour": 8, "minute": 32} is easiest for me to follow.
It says {"hour": 12, "minute": 15}
